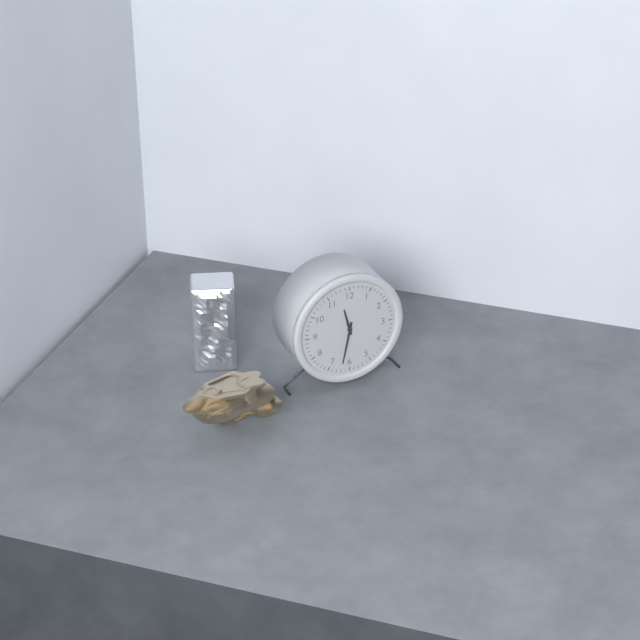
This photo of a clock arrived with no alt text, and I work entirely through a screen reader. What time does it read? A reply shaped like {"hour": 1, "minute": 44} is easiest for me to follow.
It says {"hour": 11, "minute": 32}
